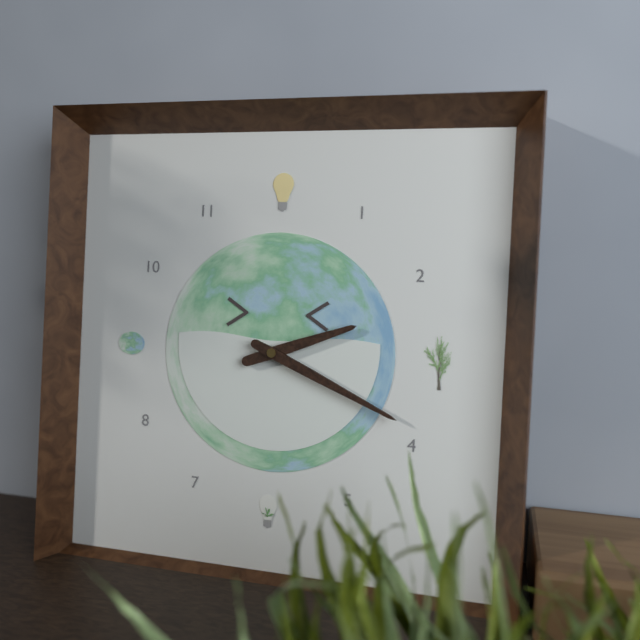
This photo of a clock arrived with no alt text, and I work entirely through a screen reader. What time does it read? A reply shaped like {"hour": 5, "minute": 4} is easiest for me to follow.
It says {"hour": 2, "minute": 19}
